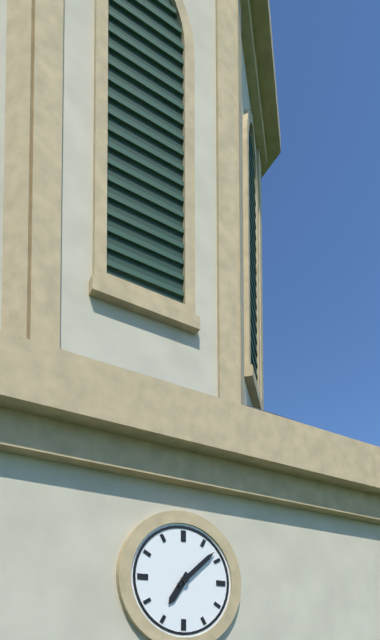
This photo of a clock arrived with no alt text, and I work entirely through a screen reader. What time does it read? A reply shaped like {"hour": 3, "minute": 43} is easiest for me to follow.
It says {"hour": 7, "minute": 8}
